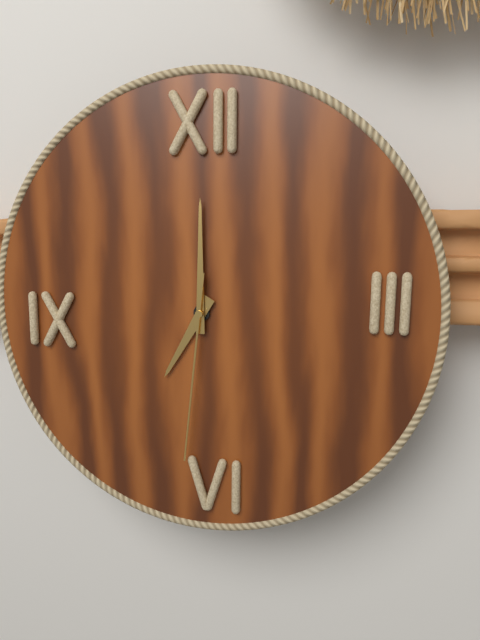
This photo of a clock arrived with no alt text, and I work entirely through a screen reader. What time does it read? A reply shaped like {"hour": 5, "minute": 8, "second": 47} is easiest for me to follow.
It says {"hour": 7, "minute": 0, "second": 31}
